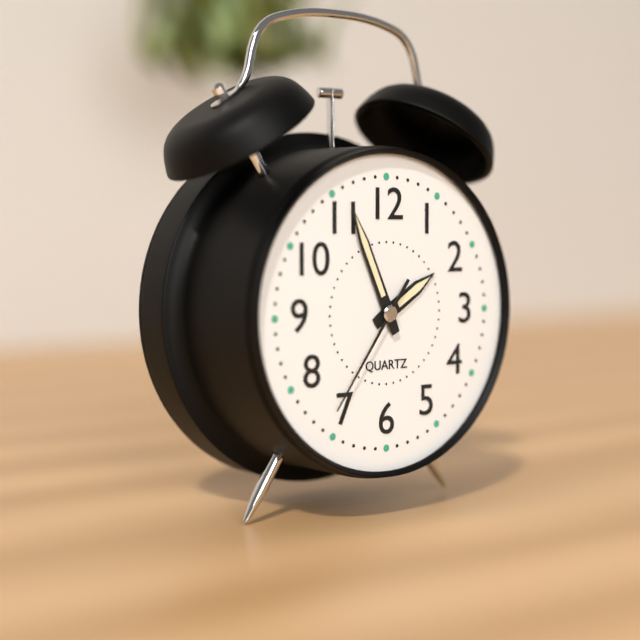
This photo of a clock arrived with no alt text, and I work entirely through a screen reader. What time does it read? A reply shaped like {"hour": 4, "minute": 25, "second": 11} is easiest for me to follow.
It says {"hour": 1, "minute": 56, "second": 36}
